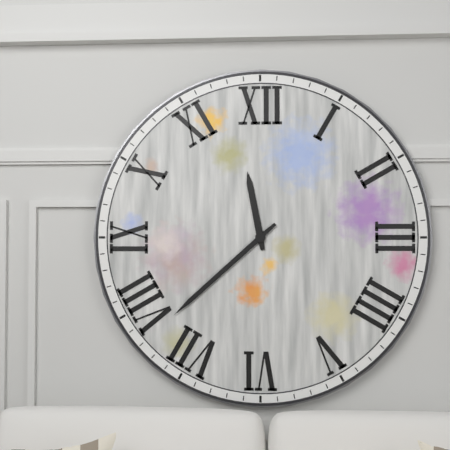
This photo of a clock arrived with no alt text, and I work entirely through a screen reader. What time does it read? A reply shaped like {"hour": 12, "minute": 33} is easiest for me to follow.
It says {"hour": 11, "minute": 38}
